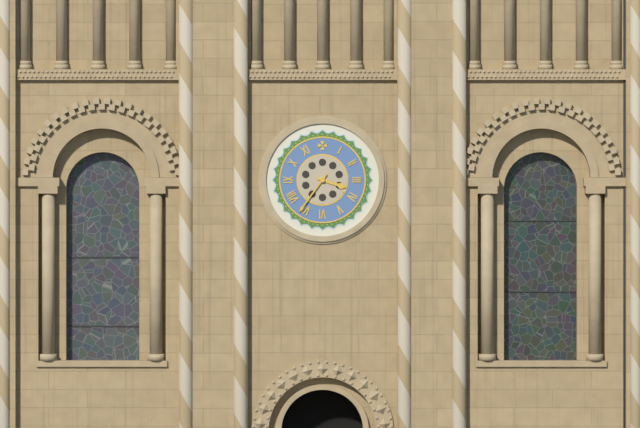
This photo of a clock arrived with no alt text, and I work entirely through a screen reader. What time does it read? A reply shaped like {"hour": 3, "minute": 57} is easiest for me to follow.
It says {"hour": 3, "minute": 36}
